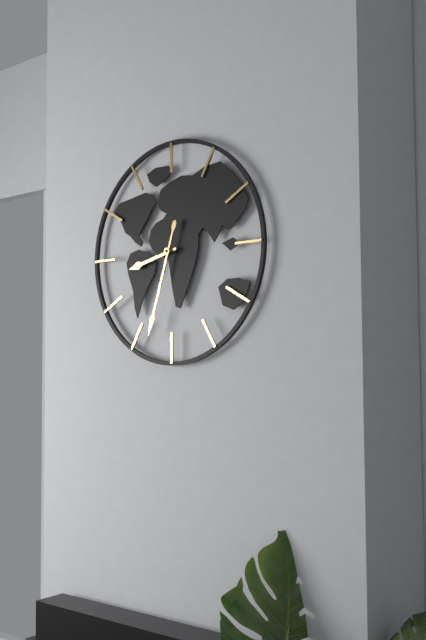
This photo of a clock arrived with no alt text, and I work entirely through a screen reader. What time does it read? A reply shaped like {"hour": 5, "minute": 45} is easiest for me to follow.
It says {"hour": 8, "minute": 33}
